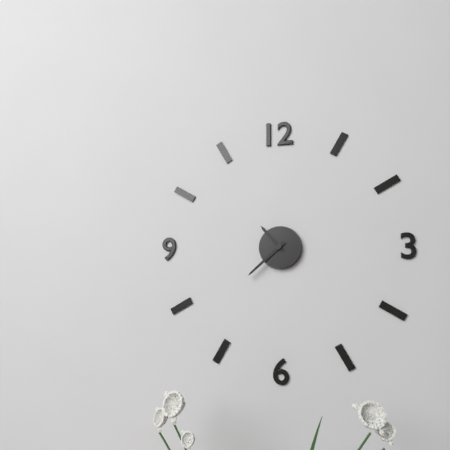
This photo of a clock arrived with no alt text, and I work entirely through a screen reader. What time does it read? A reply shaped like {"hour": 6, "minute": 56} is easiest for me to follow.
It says {"hour": 10, "minute": 38}
